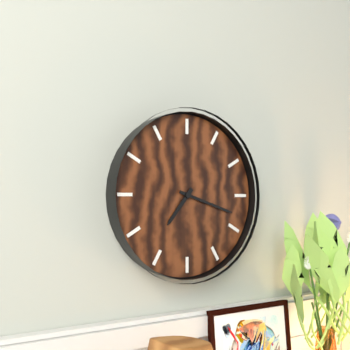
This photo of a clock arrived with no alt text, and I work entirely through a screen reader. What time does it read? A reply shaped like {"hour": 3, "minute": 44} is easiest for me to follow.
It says {"hour": 7, "minute": 18}
